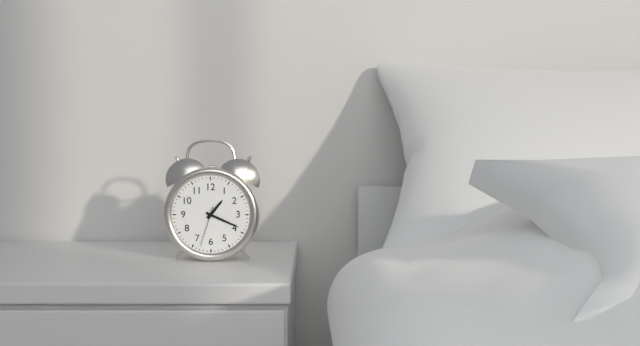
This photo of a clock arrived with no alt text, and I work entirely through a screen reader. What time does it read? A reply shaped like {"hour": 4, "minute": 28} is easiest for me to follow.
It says {"hour": 1, "minute": 19}
